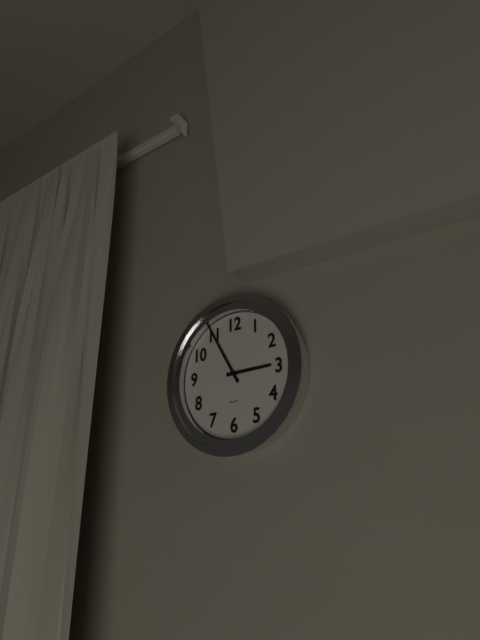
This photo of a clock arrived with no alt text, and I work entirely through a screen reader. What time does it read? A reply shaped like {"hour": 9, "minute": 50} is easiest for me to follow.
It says {"hour": 2, "minute": 55}
